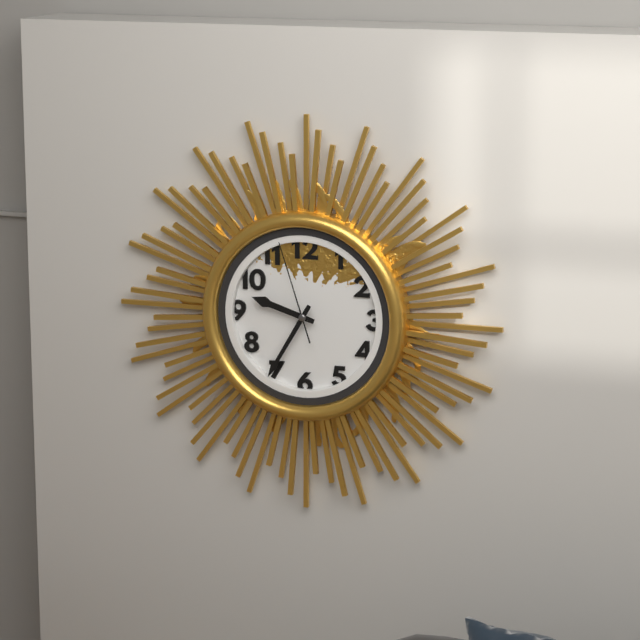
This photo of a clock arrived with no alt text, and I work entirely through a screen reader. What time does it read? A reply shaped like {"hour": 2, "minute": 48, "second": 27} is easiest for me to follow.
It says {"hour": 9, "minute": 35, "second": 57}
